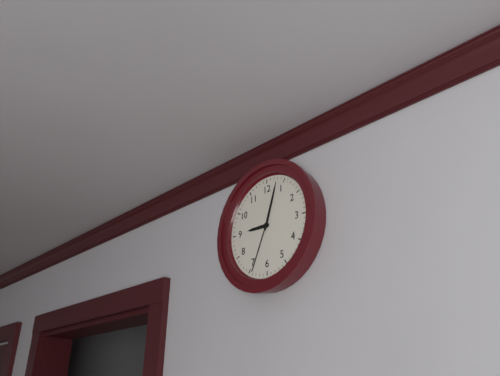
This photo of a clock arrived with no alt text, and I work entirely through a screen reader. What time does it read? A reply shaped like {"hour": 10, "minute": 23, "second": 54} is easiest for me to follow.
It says {"hour": 9, "minute": 3, "second": 34}
